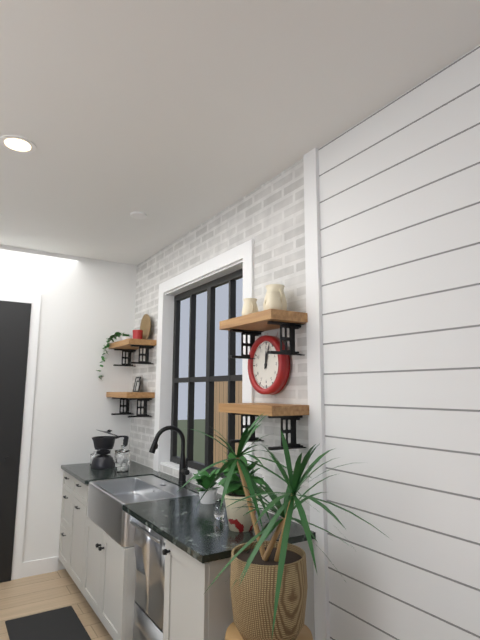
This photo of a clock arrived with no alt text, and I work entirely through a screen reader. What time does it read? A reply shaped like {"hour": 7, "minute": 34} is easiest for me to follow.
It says {"hour": 12, "minute": 3}
